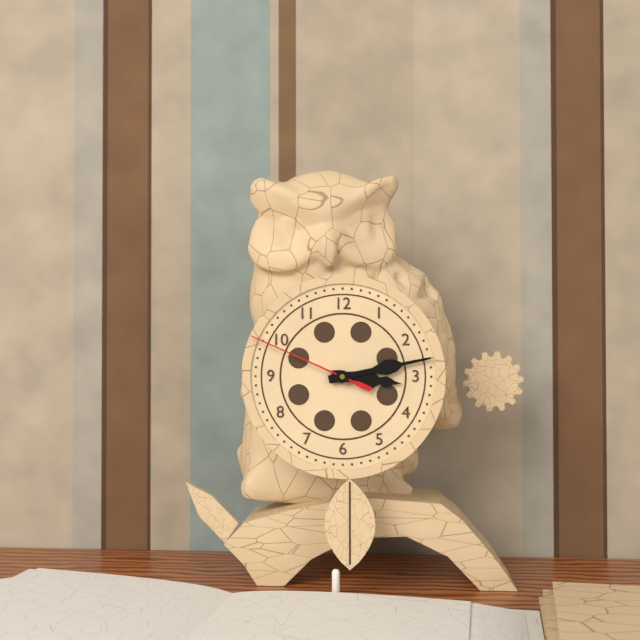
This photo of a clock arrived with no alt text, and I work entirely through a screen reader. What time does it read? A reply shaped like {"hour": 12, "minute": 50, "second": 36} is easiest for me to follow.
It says {"hour": 3, "minute": 13, "second": 49}
